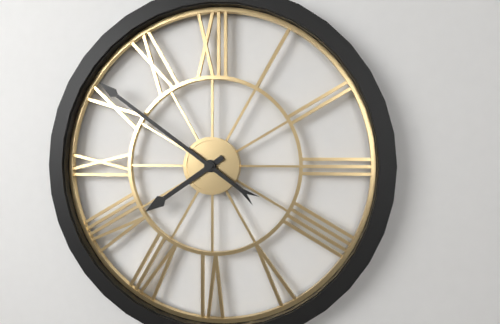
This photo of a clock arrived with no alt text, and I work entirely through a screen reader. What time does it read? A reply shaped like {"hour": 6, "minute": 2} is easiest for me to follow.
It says {"hour": 7, "minute": 51}
